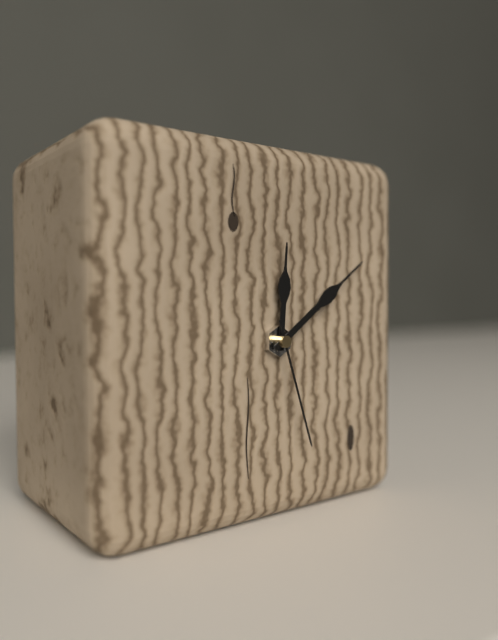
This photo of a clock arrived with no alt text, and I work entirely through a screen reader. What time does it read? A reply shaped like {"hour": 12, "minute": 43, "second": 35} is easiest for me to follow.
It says {"hour": 12, "minute": 9, "second": 27}
